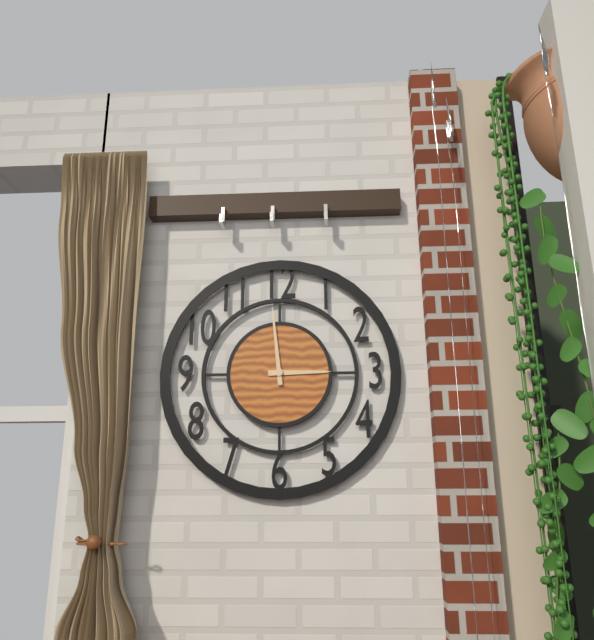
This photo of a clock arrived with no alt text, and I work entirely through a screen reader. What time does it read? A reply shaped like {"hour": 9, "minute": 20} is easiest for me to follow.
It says {"hour": 2, "minute": 59}
